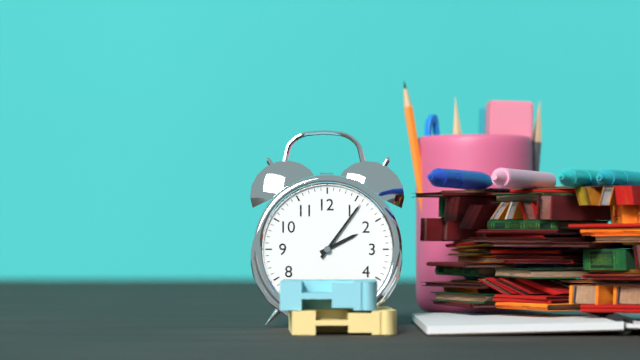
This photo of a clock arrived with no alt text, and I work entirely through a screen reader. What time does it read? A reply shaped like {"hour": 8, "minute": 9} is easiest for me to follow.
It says {"hour": 2, "minute": 6}
